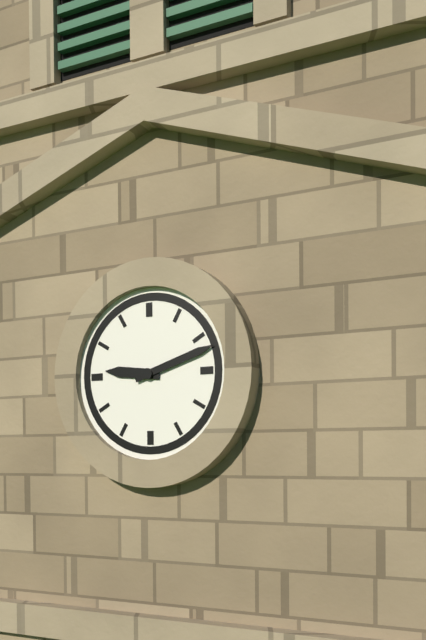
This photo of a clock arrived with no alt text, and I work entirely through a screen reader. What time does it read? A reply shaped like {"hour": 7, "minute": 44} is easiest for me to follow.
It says {"hour": 9, "minute": 12}
